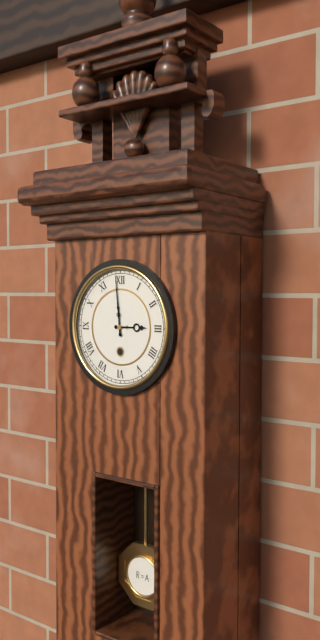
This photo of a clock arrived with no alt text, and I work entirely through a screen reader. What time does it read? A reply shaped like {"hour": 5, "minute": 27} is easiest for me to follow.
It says {"hour": 2, "minute": 59}
